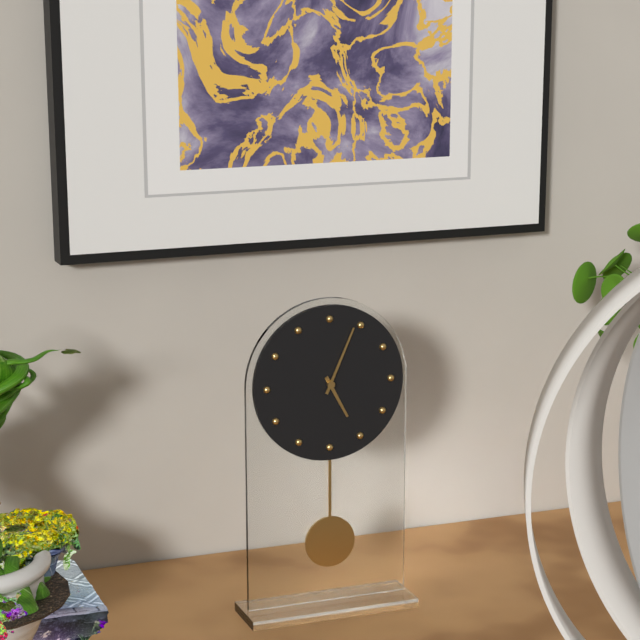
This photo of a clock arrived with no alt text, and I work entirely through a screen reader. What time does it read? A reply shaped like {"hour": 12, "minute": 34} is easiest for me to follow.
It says {"hour": 5, "minute": 4}
